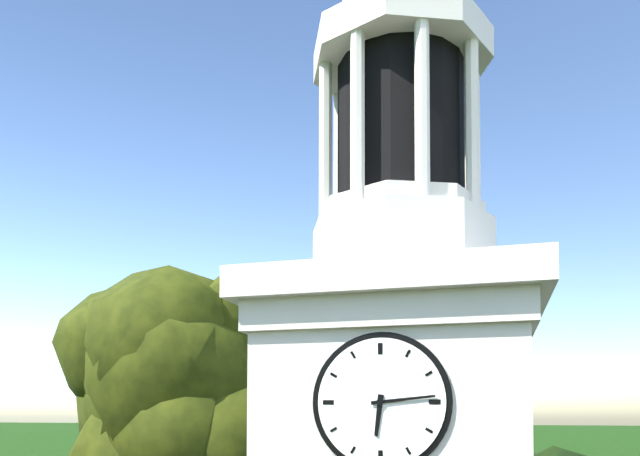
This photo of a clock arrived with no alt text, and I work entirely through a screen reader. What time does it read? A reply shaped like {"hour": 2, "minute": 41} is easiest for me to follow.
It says {"hour": 6, "minute": 14}
